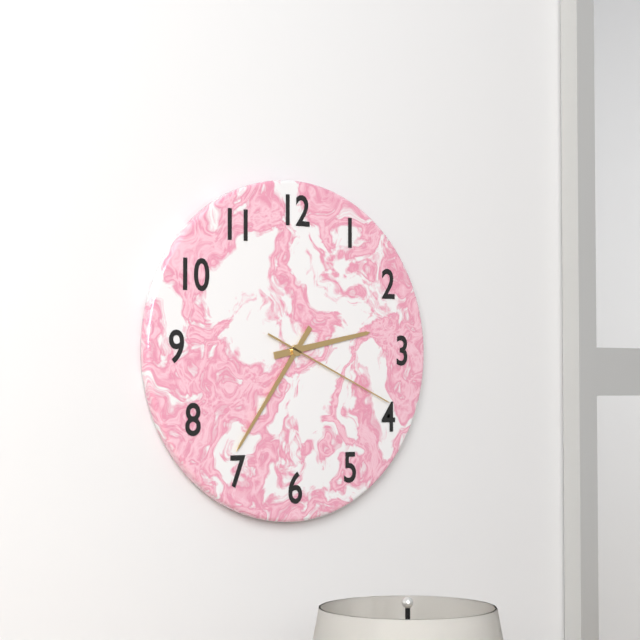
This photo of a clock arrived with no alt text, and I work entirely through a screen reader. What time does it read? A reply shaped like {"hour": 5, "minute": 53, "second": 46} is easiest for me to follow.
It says {"hour": 2, "minute": 36, "second": 19}
